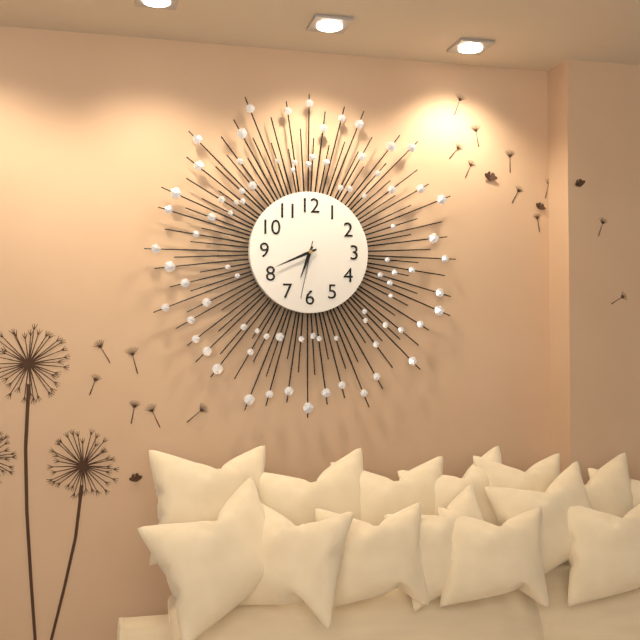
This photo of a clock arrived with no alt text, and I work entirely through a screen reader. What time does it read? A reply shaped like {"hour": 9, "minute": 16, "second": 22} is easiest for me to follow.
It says {"hour": 6, "minute": 41, "second": 32}
